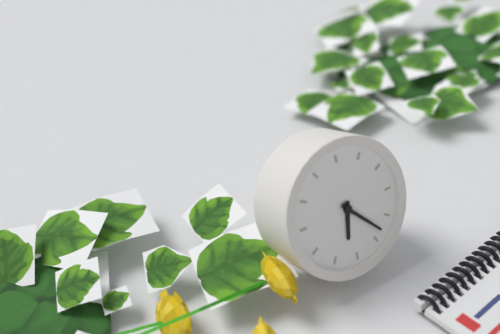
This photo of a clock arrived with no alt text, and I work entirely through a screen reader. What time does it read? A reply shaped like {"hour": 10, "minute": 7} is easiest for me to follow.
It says {"hour": 6, "minute": 23}
